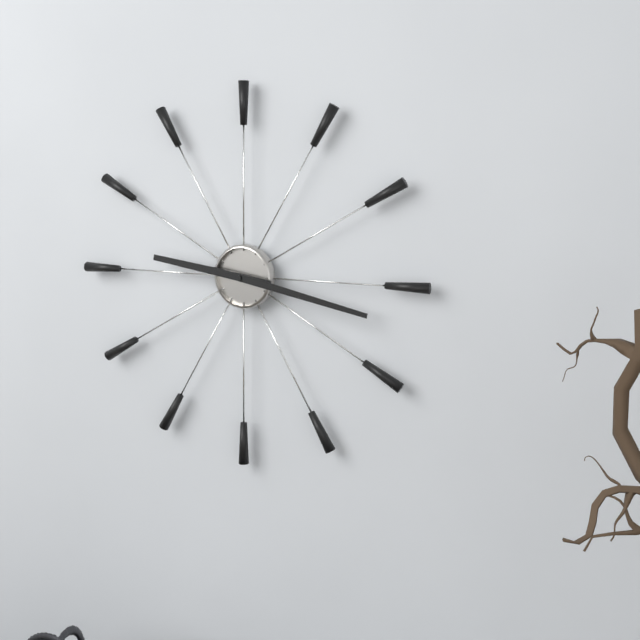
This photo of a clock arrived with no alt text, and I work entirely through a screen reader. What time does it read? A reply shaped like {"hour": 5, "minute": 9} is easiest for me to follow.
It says {"hour": 9, "minute": 17}
